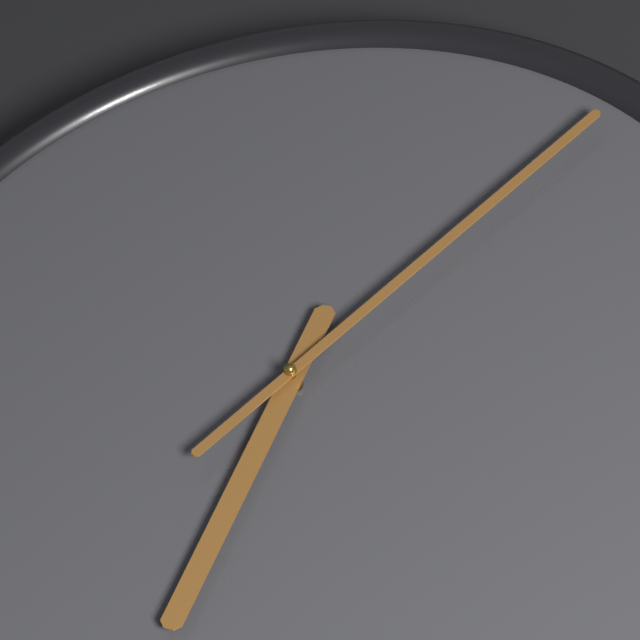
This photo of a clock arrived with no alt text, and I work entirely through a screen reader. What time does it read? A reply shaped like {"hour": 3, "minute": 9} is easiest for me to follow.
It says {"hour": 7, "minute": 10}
